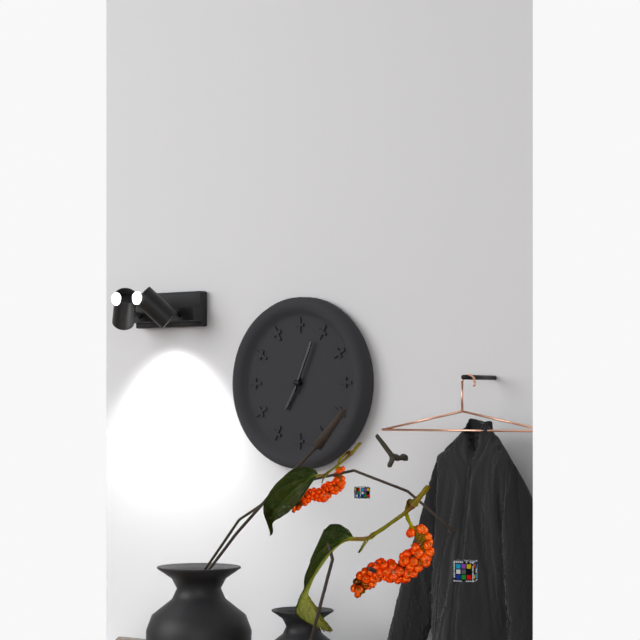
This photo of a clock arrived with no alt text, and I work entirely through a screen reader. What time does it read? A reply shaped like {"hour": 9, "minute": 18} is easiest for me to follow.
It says {"hour": 7, "minute": 4}
